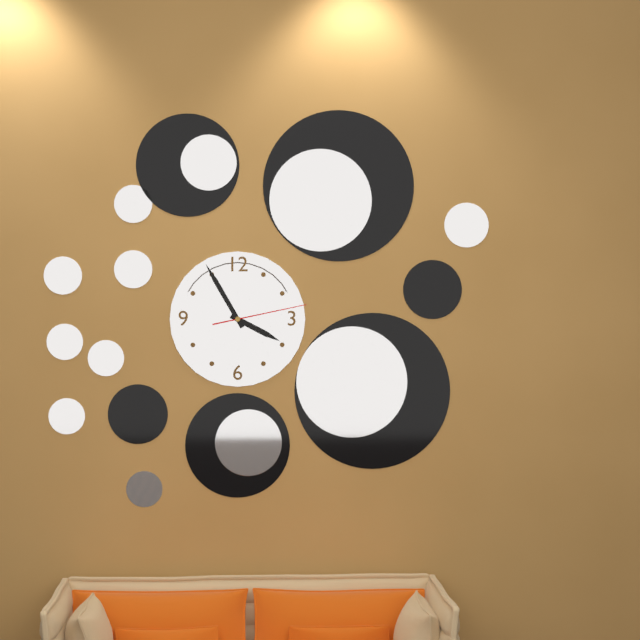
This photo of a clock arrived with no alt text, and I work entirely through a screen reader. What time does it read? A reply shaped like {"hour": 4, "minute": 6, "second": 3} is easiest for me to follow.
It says {"hour": 3, "minute": 55, "second": 13}
